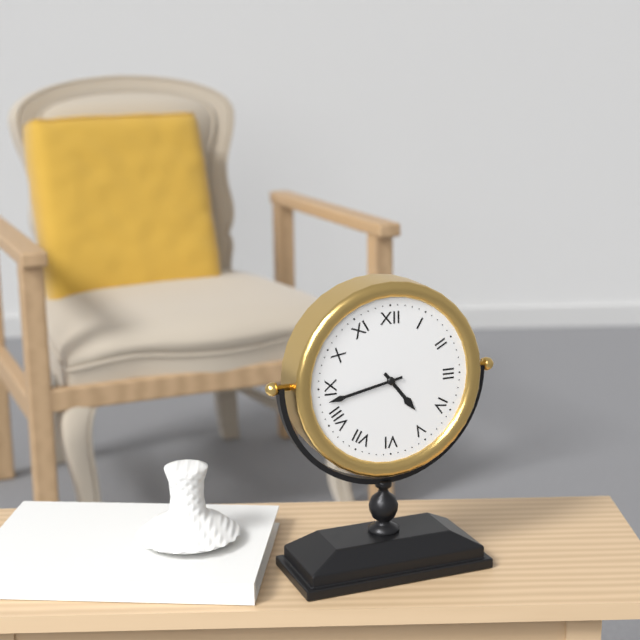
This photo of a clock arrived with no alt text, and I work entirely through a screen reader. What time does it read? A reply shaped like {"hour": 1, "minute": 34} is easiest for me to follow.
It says {"hour": 4, "minute": 43}
